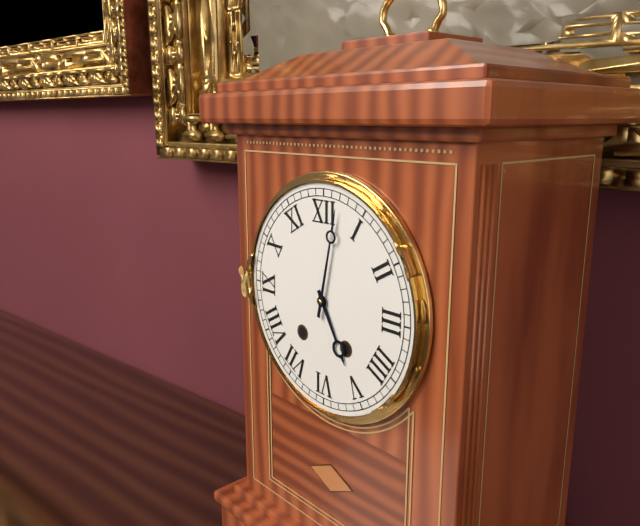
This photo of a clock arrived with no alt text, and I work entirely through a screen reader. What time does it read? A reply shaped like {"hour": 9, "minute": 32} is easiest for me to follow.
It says {"hour": 5, "minute": 2}
